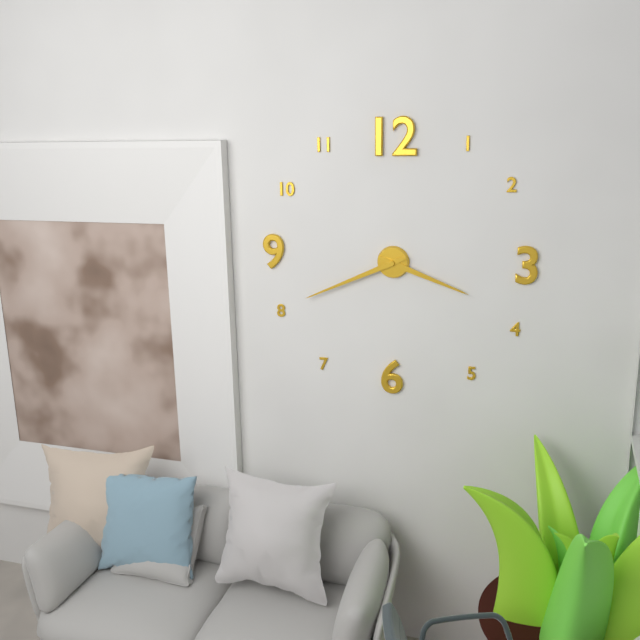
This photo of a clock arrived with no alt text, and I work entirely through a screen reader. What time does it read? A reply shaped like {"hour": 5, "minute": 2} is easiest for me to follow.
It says {"hour": 3, "minute": 41}
